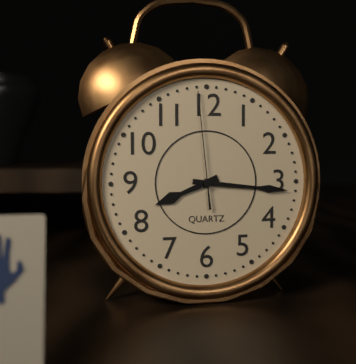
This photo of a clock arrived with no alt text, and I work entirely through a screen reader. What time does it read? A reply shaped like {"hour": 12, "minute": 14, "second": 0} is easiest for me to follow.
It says {"hour": 8, "minute": 16, "second": 59}
